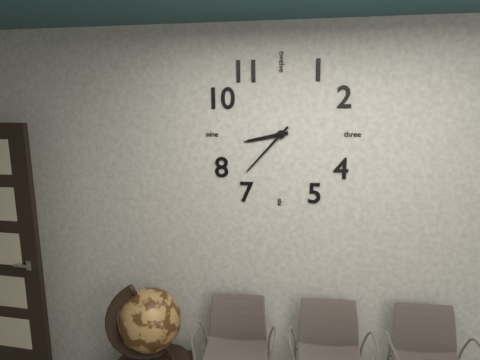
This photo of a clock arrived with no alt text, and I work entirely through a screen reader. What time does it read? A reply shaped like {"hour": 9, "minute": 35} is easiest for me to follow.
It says {"hour": 8, "minute": 37}
